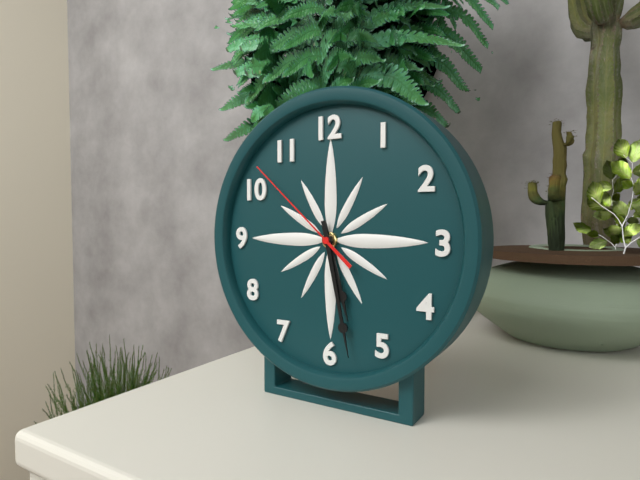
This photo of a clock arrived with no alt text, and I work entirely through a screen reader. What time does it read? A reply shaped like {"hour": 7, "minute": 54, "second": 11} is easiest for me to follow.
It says {"hour": 5, "minute": 28, "second": 52}
